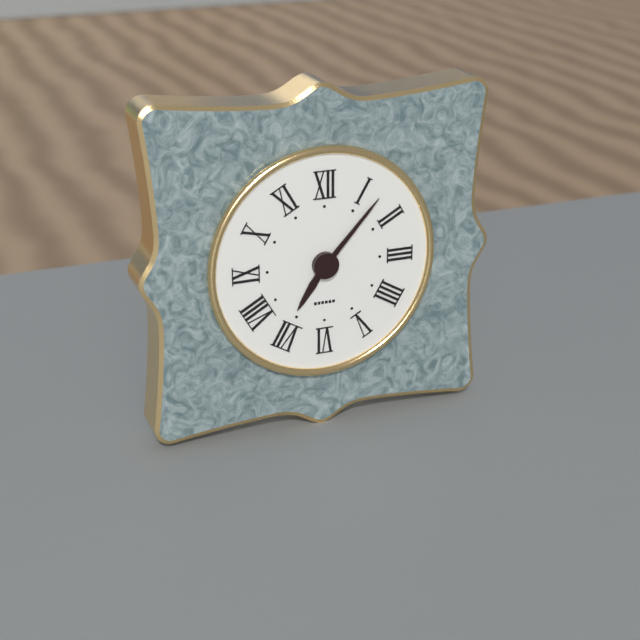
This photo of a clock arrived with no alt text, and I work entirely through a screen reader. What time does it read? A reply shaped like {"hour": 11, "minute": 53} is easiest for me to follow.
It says {"hour": 7, "minute": 7}
